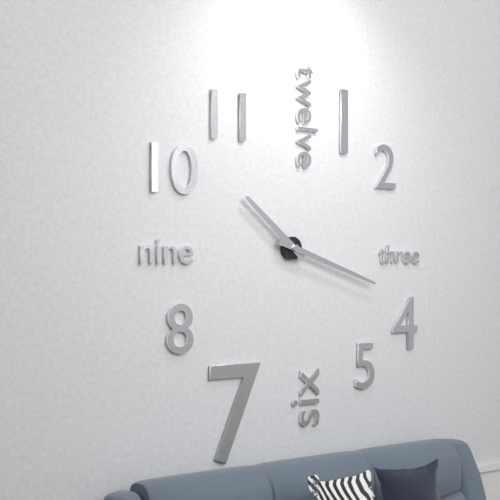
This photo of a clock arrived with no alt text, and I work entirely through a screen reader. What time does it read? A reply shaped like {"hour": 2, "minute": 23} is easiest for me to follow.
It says {"hour": 10, "minute": 18}
